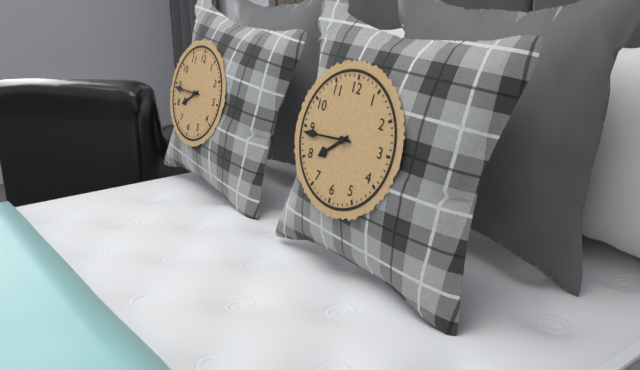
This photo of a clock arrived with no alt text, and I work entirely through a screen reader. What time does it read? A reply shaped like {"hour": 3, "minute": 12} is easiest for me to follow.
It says {"hour": 7, "minute": 44}
